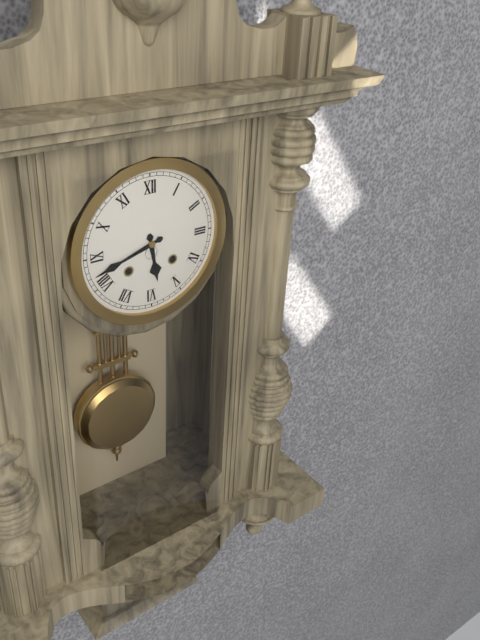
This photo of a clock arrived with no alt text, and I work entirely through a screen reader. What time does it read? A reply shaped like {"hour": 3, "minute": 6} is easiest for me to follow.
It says {"hour": 5, "minute": 42}
